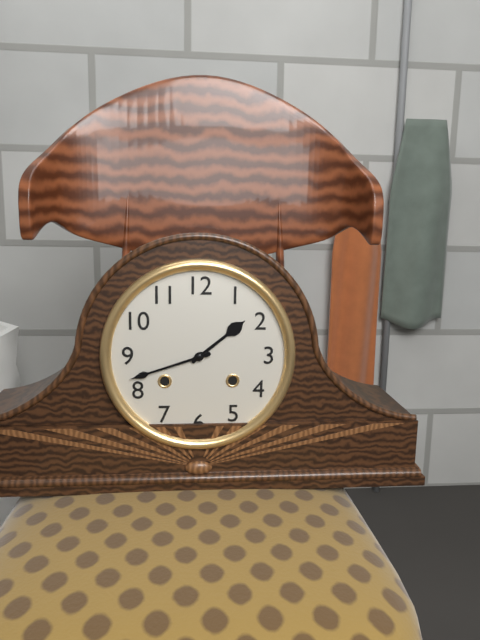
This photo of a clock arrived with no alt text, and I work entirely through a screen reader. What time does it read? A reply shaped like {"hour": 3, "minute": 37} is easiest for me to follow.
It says {"hour": 1, "minute": 42}
